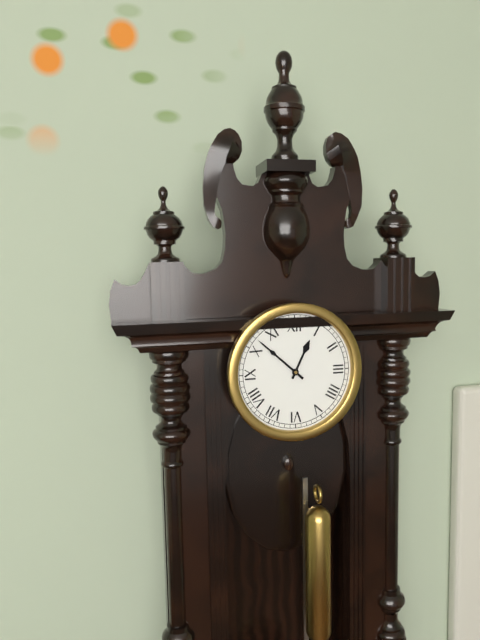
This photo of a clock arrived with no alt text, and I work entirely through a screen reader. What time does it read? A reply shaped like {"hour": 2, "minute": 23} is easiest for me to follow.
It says {"hour": 12, "minute": 52}
